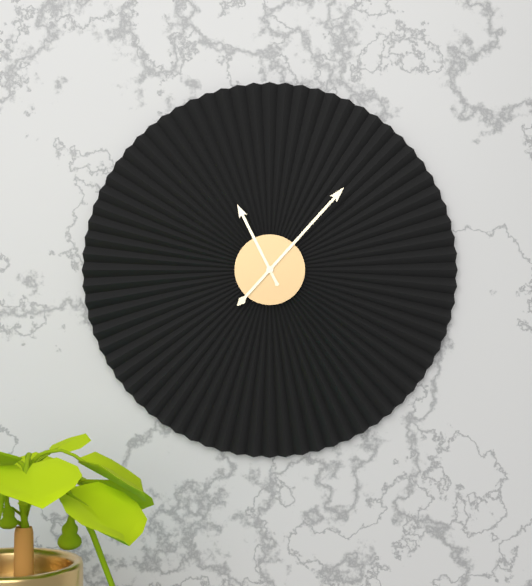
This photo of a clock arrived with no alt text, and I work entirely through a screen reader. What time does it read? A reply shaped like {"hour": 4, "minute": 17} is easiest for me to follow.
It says {"hour": 11, "minute": 7}
